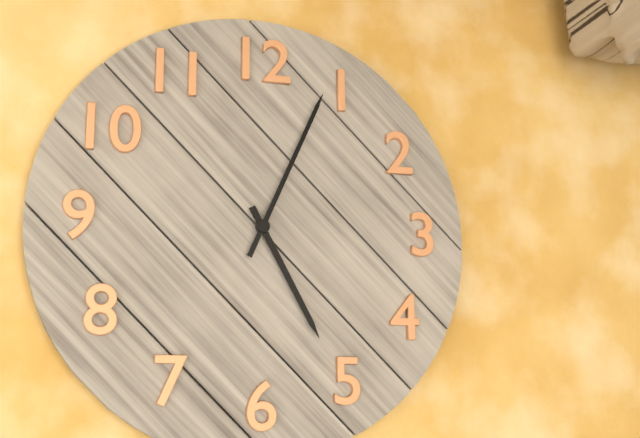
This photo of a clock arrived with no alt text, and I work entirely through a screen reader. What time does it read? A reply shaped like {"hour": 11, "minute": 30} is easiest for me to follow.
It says {"hour": 5, "minute": 4}
